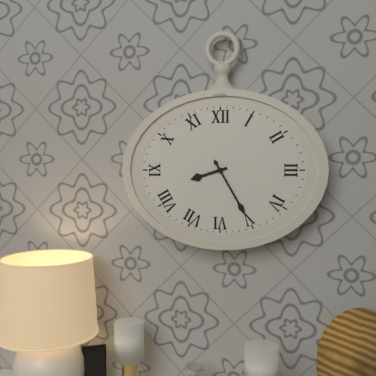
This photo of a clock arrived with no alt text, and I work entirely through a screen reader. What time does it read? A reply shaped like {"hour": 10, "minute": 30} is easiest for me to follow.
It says {"hour": 8, "minute": 25}
